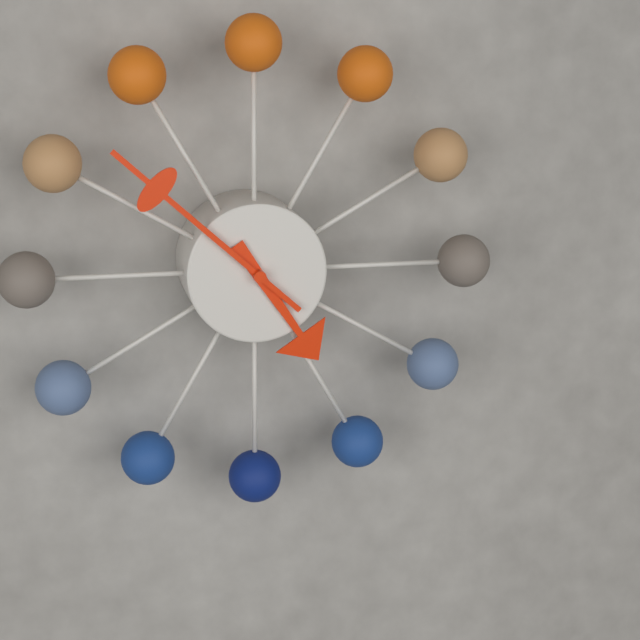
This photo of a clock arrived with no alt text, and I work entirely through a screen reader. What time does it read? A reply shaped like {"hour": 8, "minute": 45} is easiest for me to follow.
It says {"hour": 4, "minute": 52}
